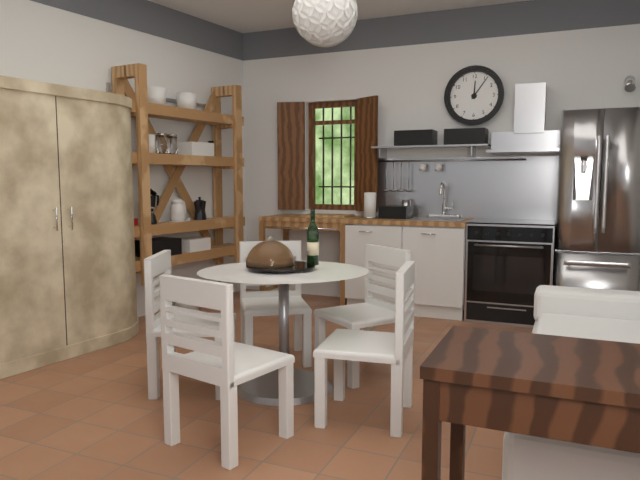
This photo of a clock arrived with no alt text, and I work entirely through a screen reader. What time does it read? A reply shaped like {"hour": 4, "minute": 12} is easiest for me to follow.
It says {"hour": 12, "minute": 6}
